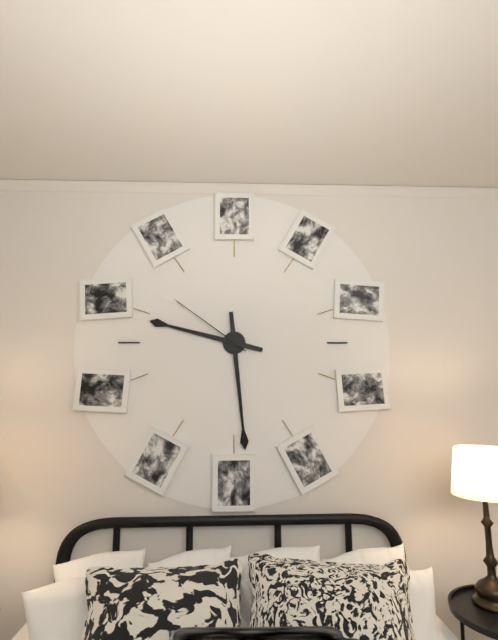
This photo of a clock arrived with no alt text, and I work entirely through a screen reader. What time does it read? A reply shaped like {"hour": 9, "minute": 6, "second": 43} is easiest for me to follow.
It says {"hour": 9, "minute": 29, "second": 51}
